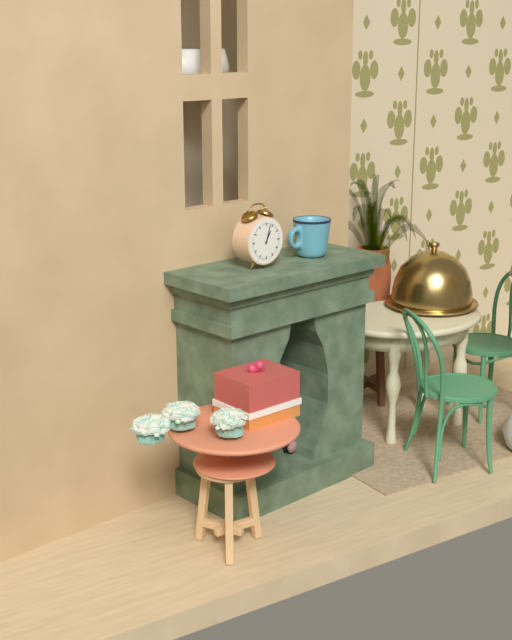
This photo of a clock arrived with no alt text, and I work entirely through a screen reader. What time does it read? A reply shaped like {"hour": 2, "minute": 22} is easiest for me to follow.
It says {"hour": 1, "minute": 3}
